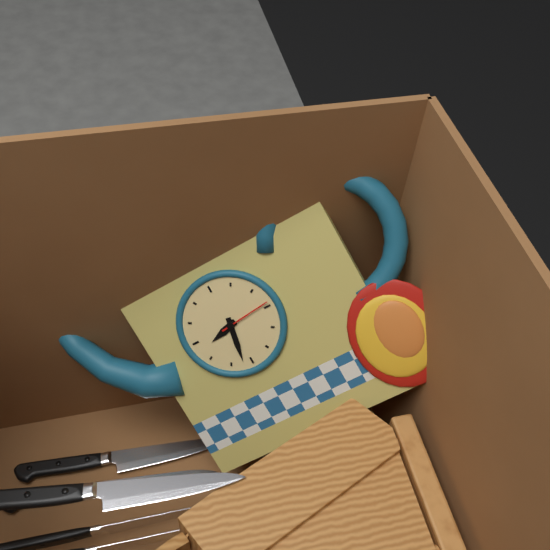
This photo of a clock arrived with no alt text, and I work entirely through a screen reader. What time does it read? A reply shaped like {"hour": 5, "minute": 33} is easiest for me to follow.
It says {"hour": 8, "minute": 32}
